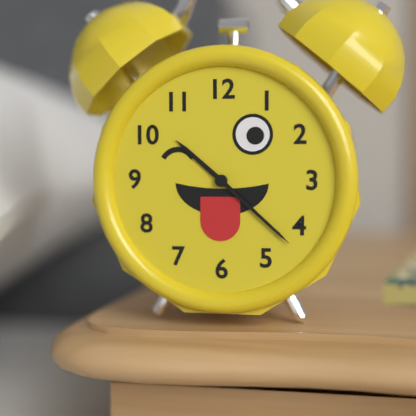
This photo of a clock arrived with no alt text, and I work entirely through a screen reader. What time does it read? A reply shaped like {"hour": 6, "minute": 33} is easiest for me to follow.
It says {"hour": 10, "minute": 22}
